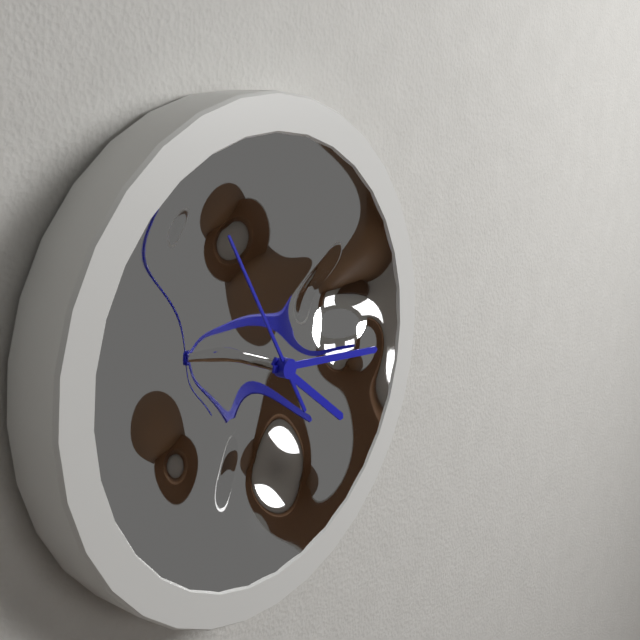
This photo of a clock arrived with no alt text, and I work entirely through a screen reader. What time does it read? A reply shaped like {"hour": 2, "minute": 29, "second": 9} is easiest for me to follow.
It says {"hour": 4, "minute": 16, "second": 55}
